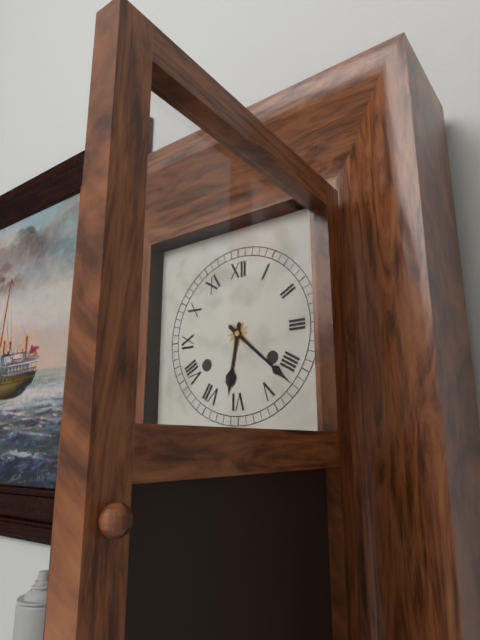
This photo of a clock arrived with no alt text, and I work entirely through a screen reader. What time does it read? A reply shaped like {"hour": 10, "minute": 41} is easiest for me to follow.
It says {"hour": 6, "minute": 22}
